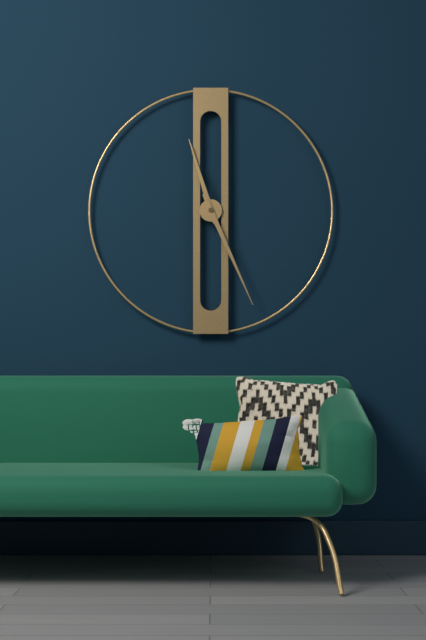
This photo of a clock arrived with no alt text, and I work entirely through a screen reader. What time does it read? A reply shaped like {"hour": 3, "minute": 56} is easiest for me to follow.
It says {"hour": 11, "minute": 26}
